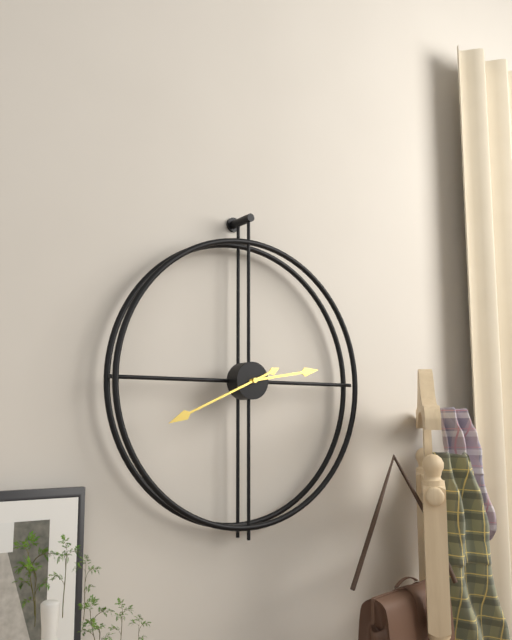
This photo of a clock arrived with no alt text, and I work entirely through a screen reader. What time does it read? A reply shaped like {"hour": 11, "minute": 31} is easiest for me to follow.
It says {"hour": 2, "minute": 41}
